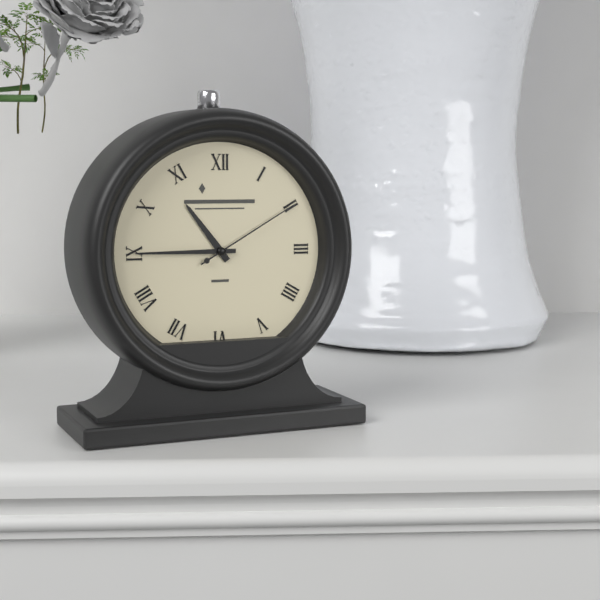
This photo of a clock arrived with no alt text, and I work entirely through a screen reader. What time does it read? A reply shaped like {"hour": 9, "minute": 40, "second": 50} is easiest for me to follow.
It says {"hour": 10, "minute": 45, "second": 10}
